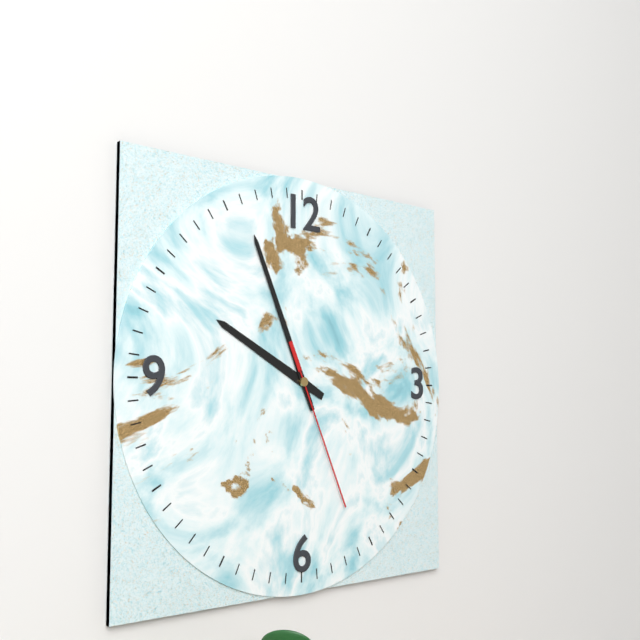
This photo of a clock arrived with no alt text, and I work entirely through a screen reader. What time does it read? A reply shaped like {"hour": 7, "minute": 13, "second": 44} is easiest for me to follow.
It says {"hour": 9, "minute": 56, "second": 26}
